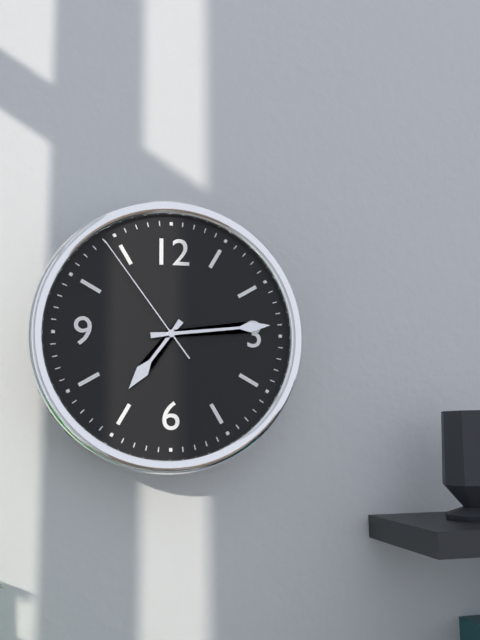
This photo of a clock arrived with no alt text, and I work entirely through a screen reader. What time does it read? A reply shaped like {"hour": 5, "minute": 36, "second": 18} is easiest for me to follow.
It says {"hour": 7, "minute": 14, "second": 54}
